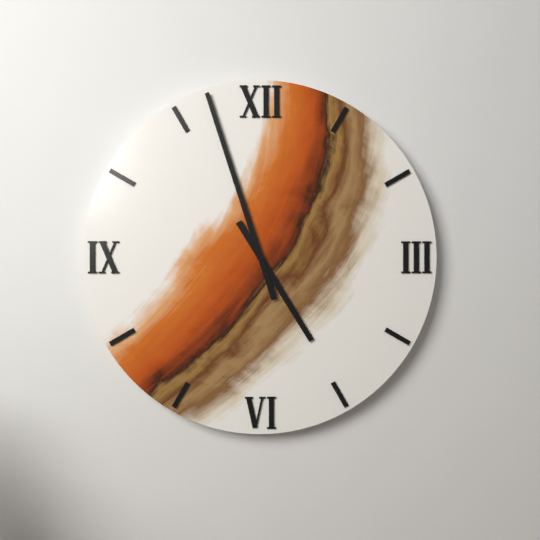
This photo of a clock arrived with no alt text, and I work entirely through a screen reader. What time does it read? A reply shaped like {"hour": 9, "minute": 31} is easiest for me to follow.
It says {"hour": 4, "minute": 57}
